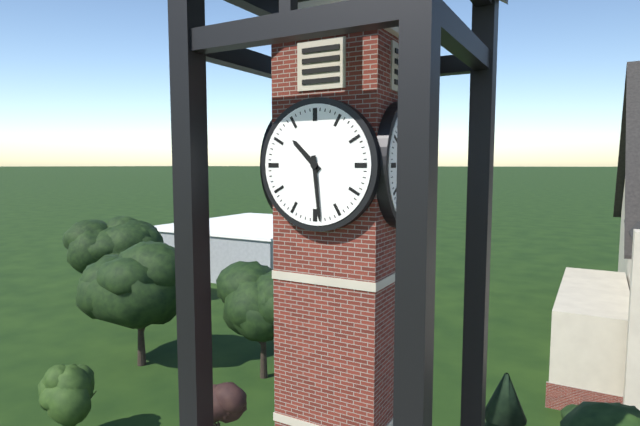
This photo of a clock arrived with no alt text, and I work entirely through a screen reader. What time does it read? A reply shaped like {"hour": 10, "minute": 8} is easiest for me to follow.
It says {"hour": 10, "minute": 29}
